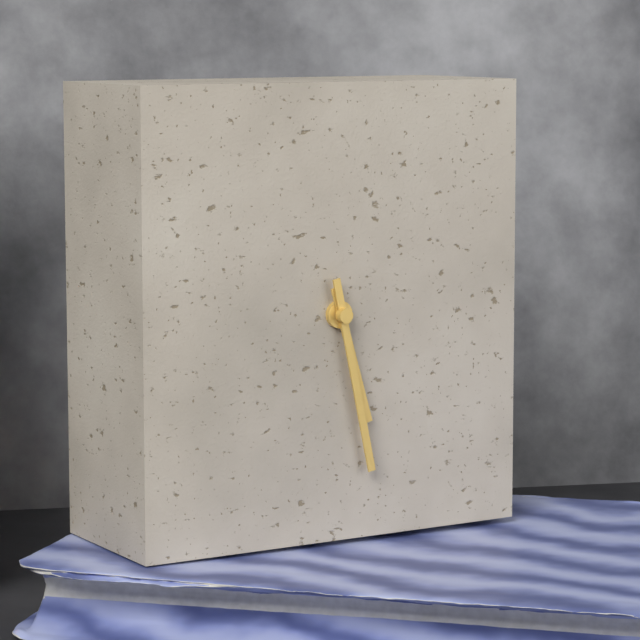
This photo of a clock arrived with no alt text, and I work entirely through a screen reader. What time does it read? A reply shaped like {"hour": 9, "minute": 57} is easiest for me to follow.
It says {"hour": 5, "minute": 28}
